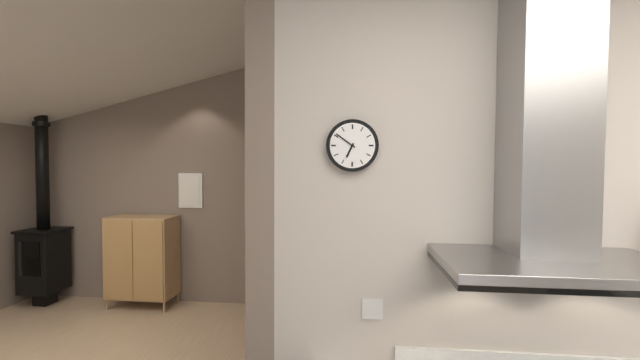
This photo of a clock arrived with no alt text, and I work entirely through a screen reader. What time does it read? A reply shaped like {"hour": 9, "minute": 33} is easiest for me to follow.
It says {"hour": 6, "minute": 51}
